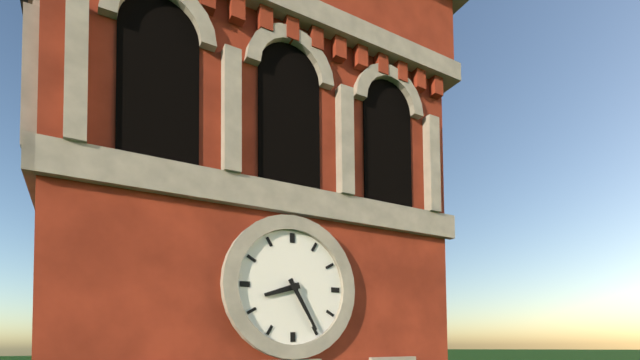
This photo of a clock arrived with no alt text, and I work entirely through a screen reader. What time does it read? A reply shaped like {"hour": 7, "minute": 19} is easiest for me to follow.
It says {"hour": 8, "minute": 25}
